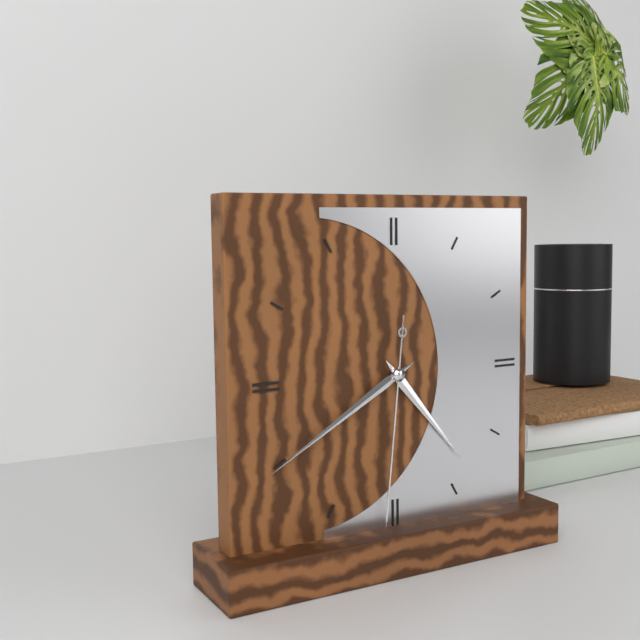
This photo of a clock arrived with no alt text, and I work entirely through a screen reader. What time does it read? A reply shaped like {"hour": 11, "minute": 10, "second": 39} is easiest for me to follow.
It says {"hour": 4, "minute": 40, "second": 31}
